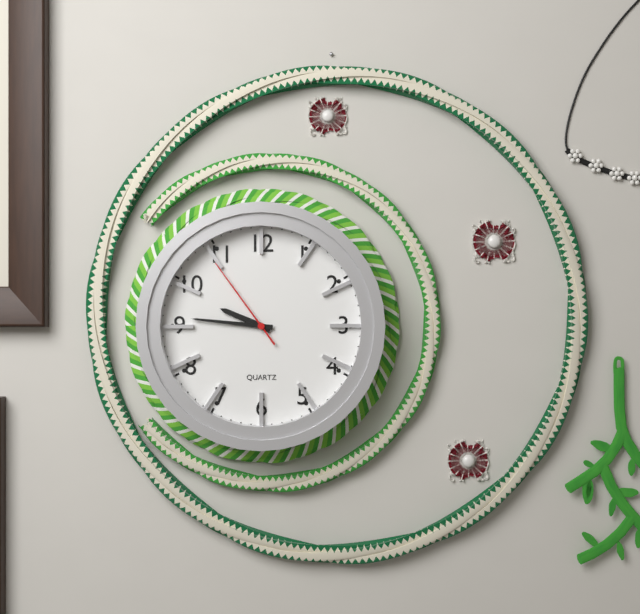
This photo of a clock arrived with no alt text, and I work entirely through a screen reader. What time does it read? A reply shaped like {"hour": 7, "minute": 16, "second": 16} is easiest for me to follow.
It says {"hour": 9, "minute": 46, "second": 54}
